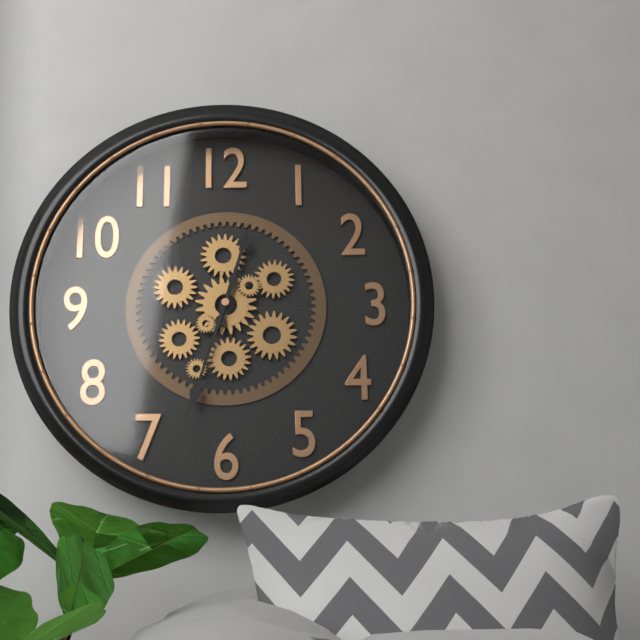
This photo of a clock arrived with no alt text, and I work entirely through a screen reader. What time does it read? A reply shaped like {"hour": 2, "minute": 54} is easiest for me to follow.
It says {"hour": 12, "minute": 33}
